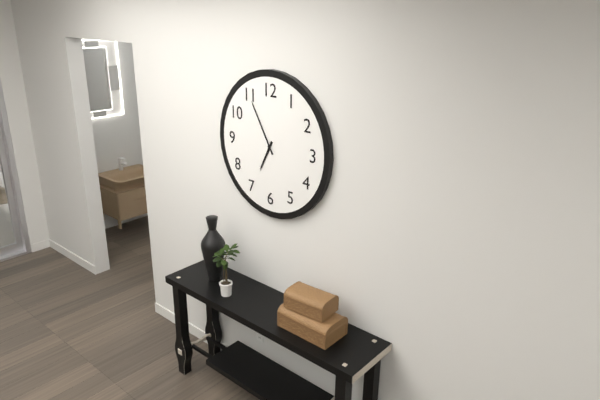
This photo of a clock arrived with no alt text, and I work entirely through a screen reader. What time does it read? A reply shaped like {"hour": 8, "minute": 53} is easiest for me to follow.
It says {"hour": 6, "minute": 55}
